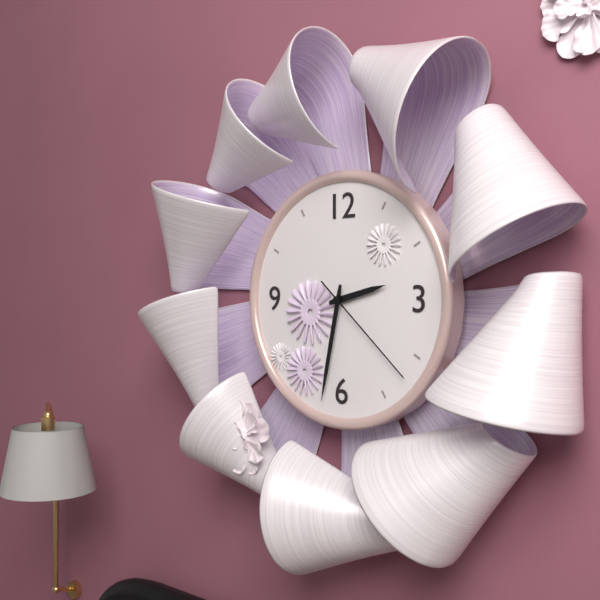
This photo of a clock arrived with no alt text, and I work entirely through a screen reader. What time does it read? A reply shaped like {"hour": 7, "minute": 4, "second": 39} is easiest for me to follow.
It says {"hour": 2, "minute": 32, "second": 22}
